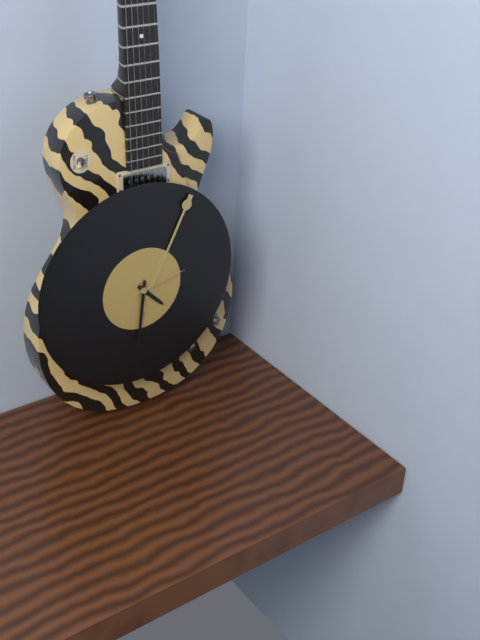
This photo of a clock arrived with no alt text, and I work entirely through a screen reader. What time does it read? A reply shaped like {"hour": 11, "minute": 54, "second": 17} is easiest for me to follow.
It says {"hour": 4, "minute": 31, "second": 13}
